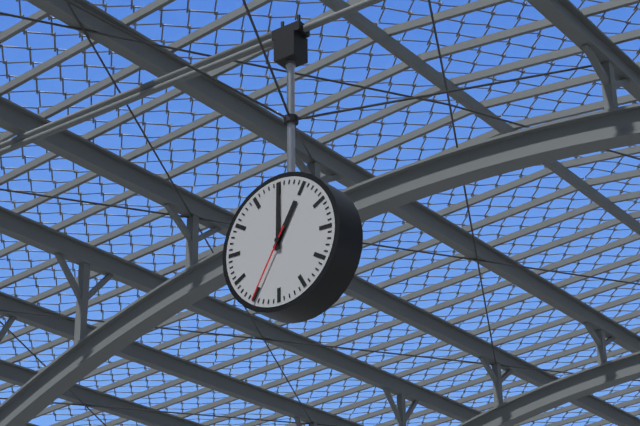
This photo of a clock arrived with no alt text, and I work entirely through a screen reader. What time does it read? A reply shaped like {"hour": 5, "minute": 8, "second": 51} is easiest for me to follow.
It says {"hour": 1, "minute": 0, "second": 35}
